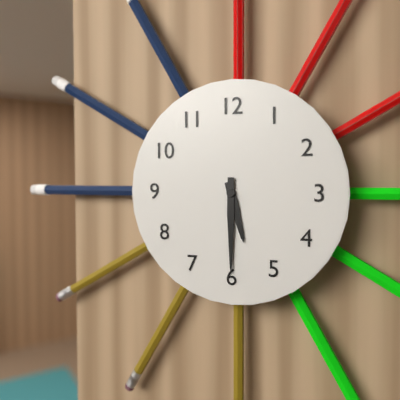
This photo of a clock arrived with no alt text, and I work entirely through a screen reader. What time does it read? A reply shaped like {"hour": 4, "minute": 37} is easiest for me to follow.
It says {"hour": 5, "minute": 30}
